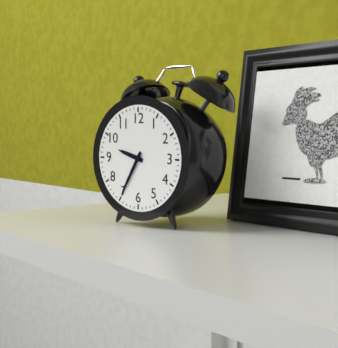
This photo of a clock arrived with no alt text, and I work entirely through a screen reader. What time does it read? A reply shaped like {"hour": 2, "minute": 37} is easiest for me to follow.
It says {"hour": 9, "minute": 35}
